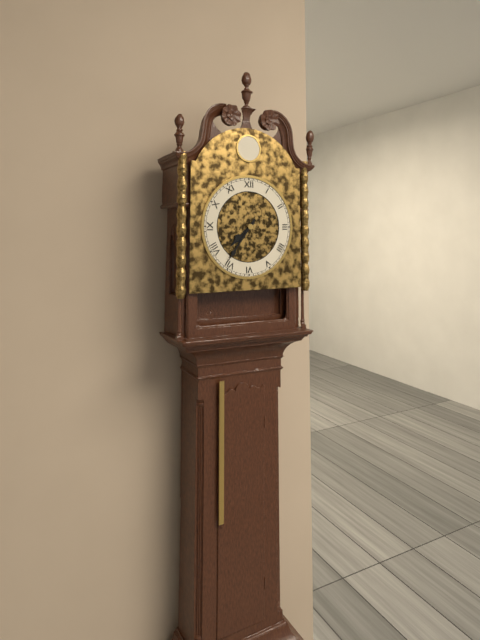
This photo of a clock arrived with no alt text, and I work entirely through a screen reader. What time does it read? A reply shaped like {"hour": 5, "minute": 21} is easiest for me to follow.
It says {"hour": 7, "minute": 36}
